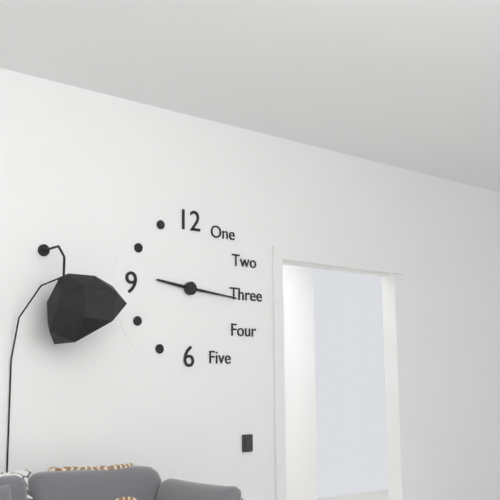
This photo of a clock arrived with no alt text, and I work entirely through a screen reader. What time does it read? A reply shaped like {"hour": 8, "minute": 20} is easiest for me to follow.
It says {"hour": 9, "minute": 16}
